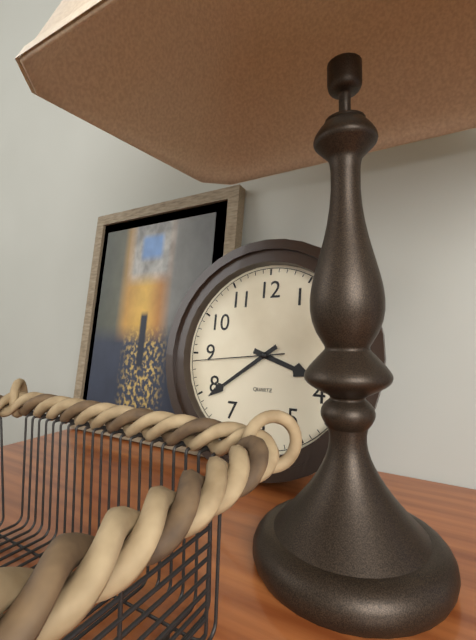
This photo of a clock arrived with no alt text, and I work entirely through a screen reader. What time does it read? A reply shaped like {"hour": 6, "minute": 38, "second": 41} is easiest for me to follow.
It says {"hour": 3, "minute": 39, "second": 44}
